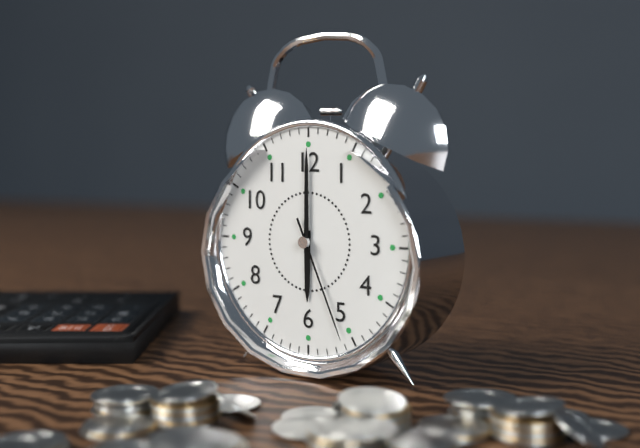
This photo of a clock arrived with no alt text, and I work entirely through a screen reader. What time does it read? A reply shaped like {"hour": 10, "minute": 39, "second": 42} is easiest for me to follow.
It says {"hour": 6, "minute": 0, "second": 26}
